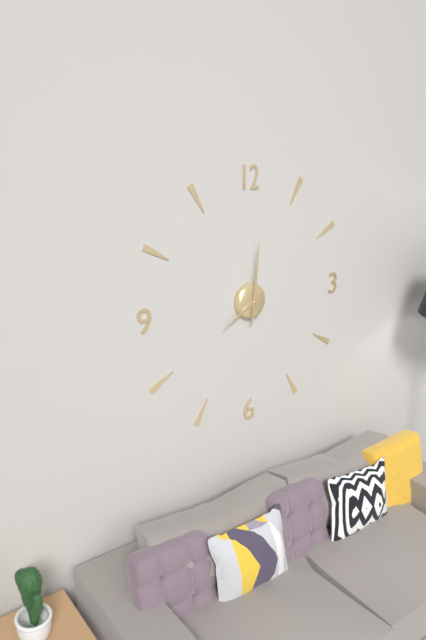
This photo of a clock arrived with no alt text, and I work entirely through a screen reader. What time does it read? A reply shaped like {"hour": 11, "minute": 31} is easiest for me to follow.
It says {"hour": 8, "minute": 1}
